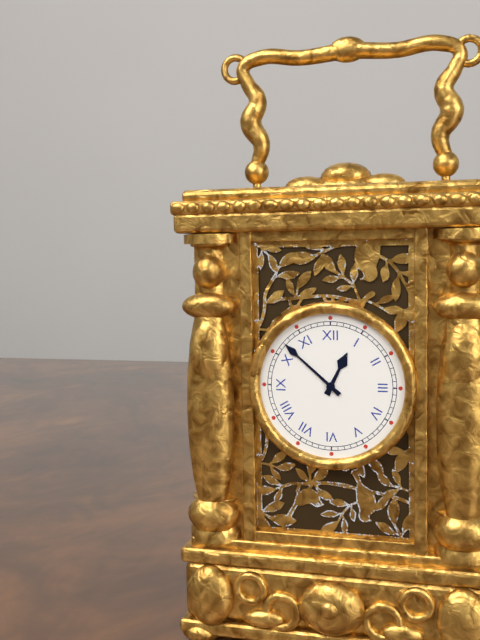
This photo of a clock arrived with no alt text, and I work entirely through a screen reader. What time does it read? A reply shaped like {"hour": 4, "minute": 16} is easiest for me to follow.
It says {"hour": 12, "minute": 52}
